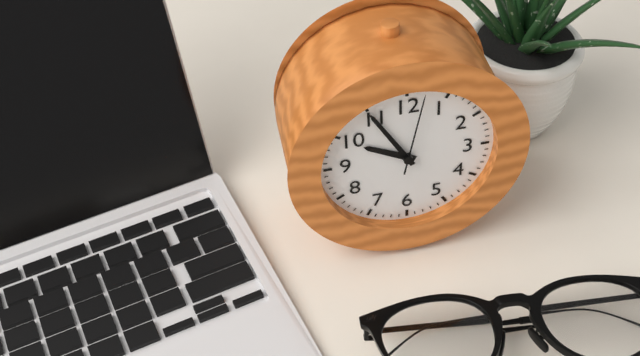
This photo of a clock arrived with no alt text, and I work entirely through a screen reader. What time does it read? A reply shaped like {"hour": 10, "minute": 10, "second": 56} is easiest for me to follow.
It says {"hour": 9, "minute": 55, "second": 2}
